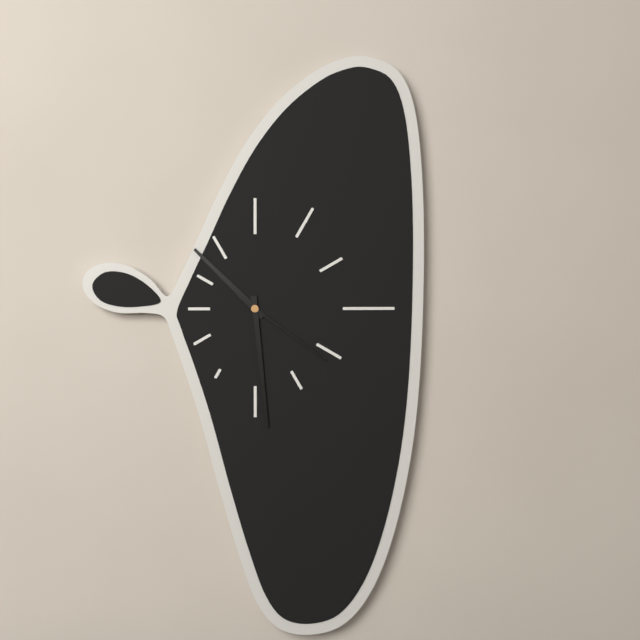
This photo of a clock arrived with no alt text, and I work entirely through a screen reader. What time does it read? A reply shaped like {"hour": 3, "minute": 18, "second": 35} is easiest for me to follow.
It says {"hour": 10, "minute": 29, "second": 21}
